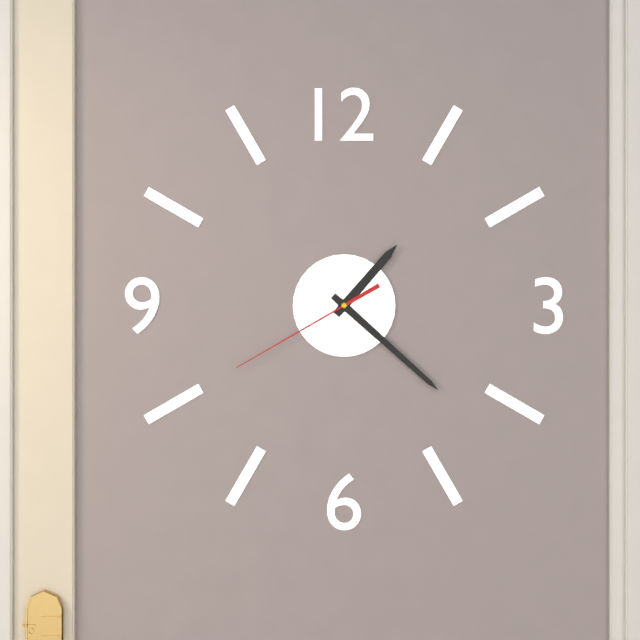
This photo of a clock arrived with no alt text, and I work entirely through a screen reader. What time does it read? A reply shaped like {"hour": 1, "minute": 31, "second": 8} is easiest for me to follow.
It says {"hour": 1, "minute": 22, "second": 40}
